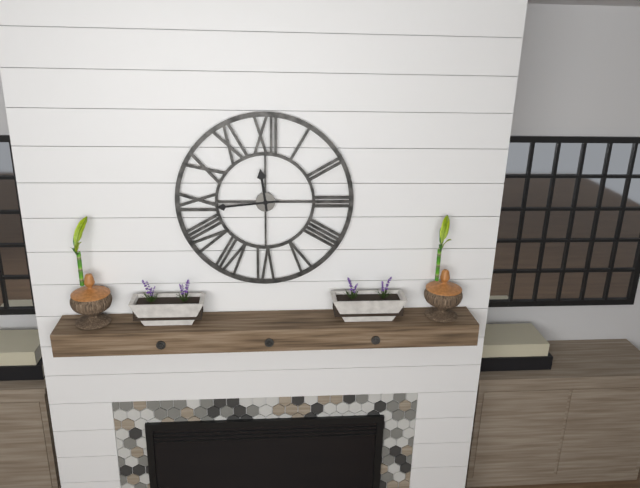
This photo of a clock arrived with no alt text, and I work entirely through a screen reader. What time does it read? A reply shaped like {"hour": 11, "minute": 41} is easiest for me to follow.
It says {"hour": 11, "minute": 44}
